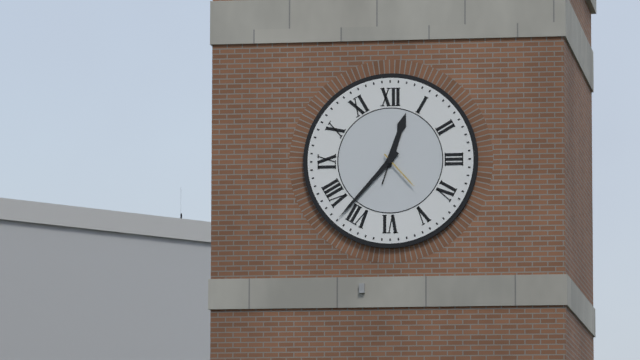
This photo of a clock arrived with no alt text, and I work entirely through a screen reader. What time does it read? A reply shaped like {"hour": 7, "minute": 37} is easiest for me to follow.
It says {"hour": 12, "minute": 37}
